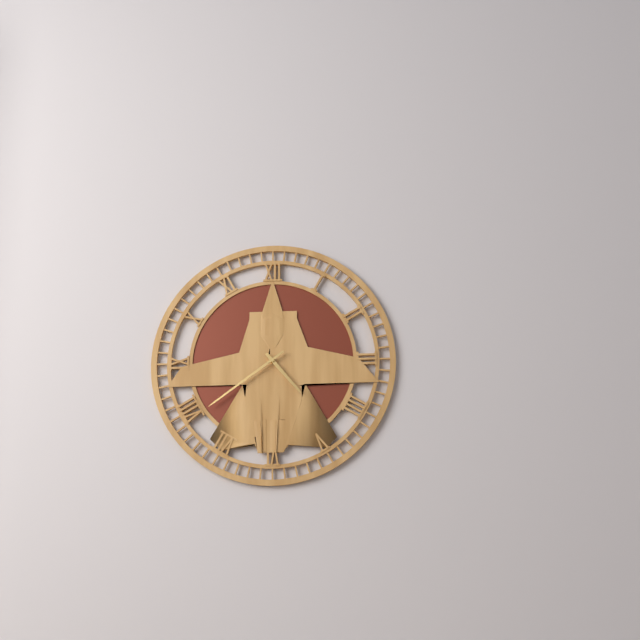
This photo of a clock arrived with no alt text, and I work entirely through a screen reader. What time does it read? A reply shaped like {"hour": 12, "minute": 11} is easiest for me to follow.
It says {"hour": 4, "minute": 39}
